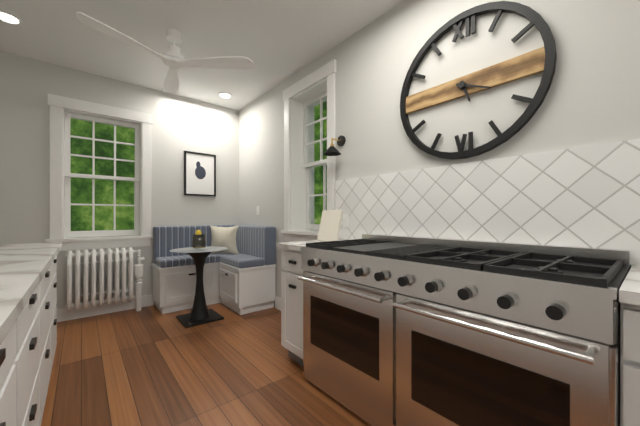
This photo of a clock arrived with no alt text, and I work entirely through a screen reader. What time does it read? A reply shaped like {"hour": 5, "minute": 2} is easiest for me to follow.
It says {"hour": 5, "minute": 19}
